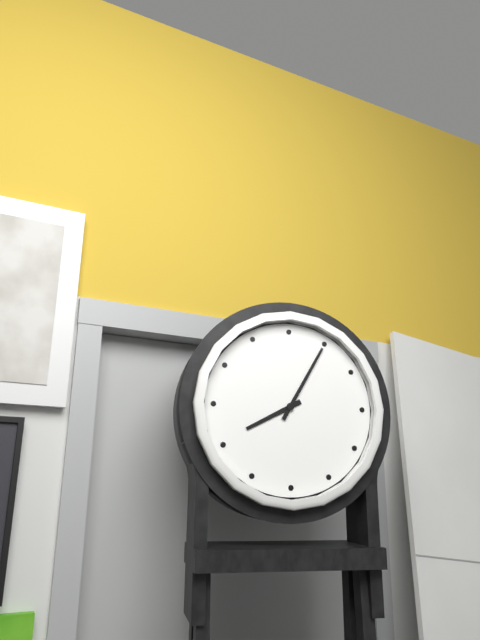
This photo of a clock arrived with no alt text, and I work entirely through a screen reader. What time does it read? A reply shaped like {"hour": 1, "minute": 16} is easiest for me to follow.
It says {"hour": 8, "minute": 5}
